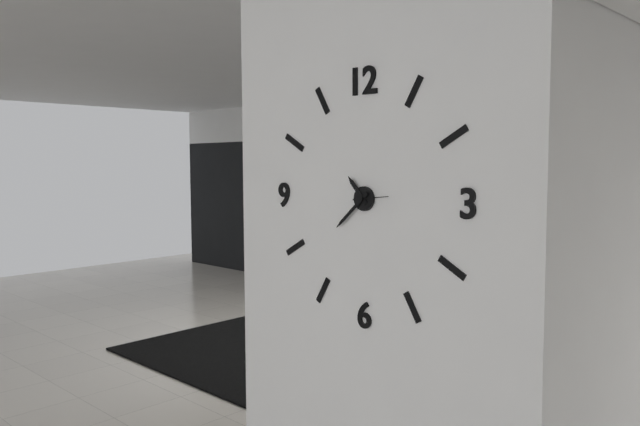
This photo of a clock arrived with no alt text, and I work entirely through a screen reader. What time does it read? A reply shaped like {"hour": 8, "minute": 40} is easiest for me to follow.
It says {"hour": 10, "minute": 38}
